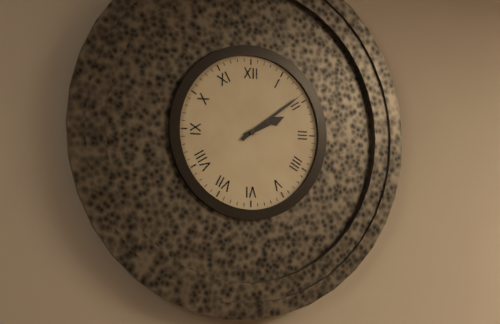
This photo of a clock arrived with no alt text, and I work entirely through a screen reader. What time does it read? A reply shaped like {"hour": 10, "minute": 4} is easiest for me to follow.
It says {"hour": 2, "minute": 9}
